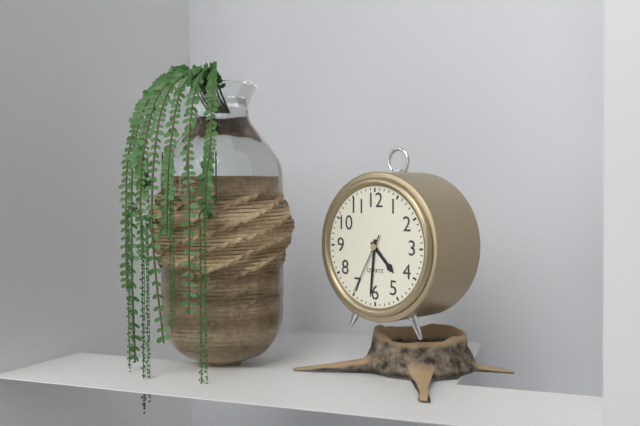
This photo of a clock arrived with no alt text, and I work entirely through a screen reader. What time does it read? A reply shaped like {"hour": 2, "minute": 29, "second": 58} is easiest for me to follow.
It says {"hour": 4, "minute": 31, "second": 35}
